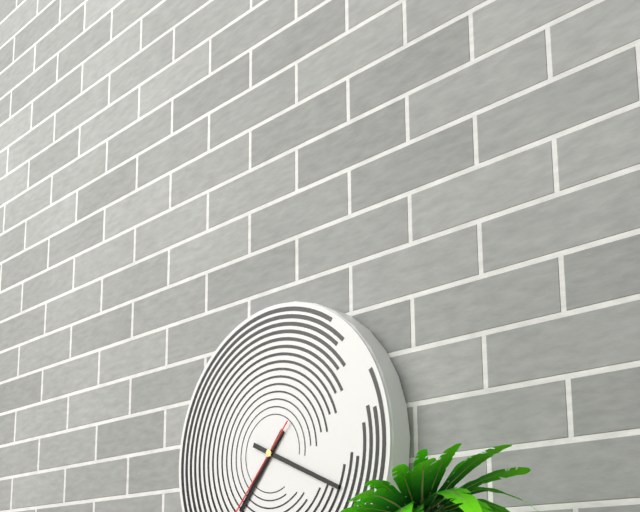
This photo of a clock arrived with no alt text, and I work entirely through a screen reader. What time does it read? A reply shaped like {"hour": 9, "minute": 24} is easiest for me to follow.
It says {"hour": 7, "minute": 19}
